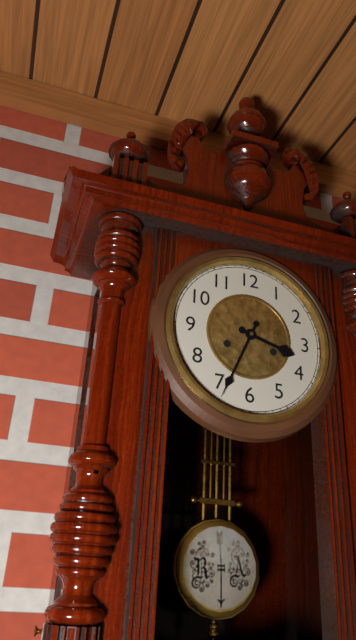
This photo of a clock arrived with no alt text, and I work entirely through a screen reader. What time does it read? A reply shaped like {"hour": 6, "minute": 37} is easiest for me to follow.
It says {"hour": 3, "minute": 34}
